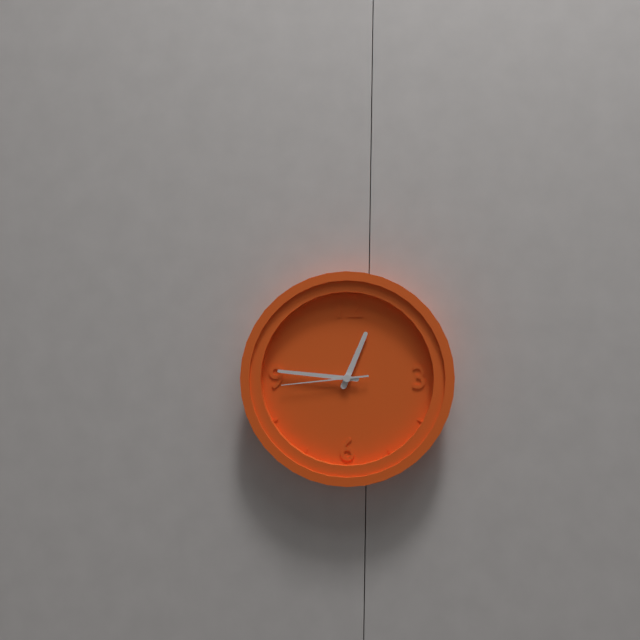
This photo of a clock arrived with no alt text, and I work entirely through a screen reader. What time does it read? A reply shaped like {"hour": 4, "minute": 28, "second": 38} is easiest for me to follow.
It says {"hour": 12, "minute": 46, "second": 44}
